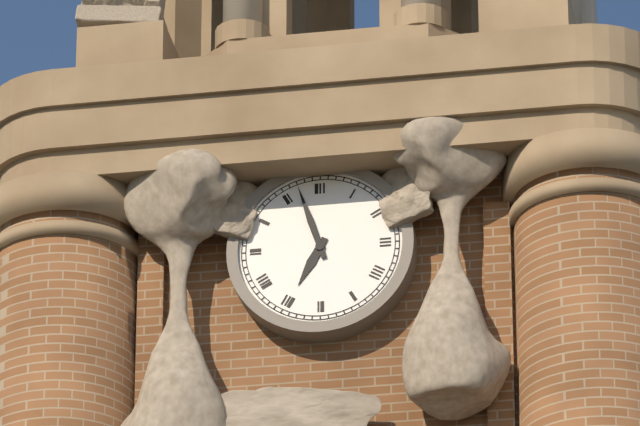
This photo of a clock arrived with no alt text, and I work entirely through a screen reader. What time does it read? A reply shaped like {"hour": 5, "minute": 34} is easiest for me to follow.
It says {"hour": 6, "minute": 57}
